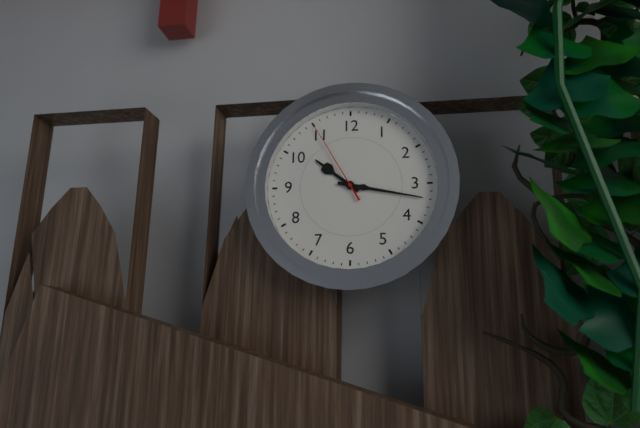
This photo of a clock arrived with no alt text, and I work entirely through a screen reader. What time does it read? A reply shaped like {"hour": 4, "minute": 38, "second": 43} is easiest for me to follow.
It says {"hour": 10, "minute": 17, "second": 55}
